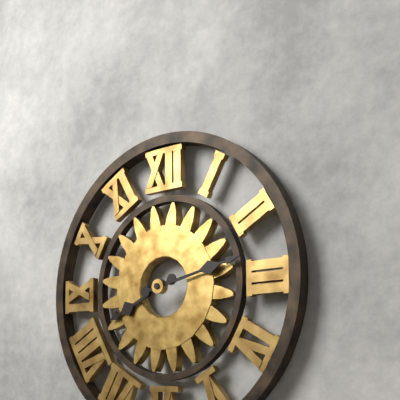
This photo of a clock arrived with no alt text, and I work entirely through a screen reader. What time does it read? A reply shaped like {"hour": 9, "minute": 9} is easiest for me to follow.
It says {"hour": 8, "minute": 13}
